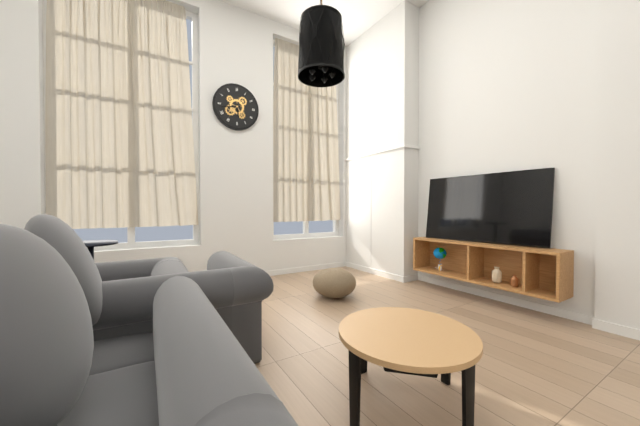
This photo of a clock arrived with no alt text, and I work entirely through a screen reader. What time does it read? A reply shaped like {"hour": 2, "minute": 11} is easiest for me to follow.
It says {"hour": 5, "minute": 43}
